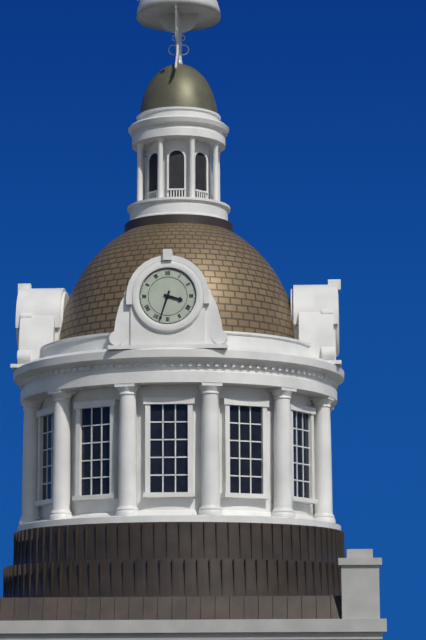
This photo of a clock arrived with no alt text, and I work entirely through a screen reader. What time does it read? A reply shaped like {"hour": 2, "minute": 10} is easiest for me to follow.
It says {"hour": 3, "minute": 33}
